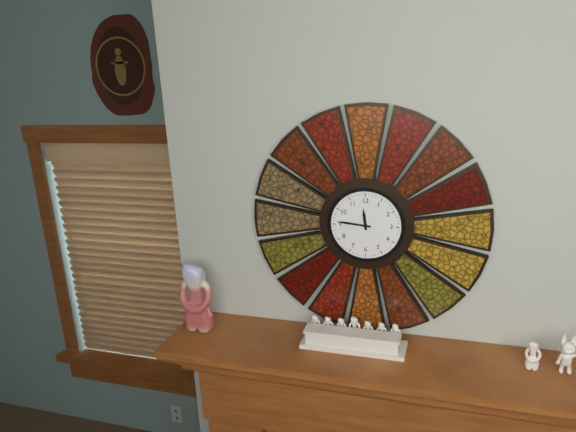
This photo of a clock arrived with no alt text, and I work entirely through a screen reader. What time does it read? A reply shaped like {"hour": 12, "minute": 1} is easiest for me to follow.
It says {"hour": 11, "minute": 46}
